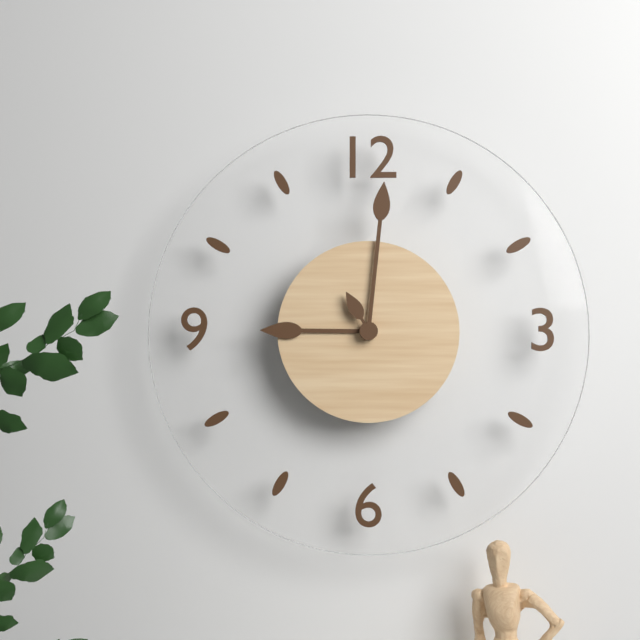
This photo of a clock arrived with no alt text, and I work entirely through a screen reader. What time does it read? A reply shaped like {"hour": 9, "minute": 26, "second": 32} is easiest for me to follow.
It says {"hour": 9, "minute": 1, "second": 55}
